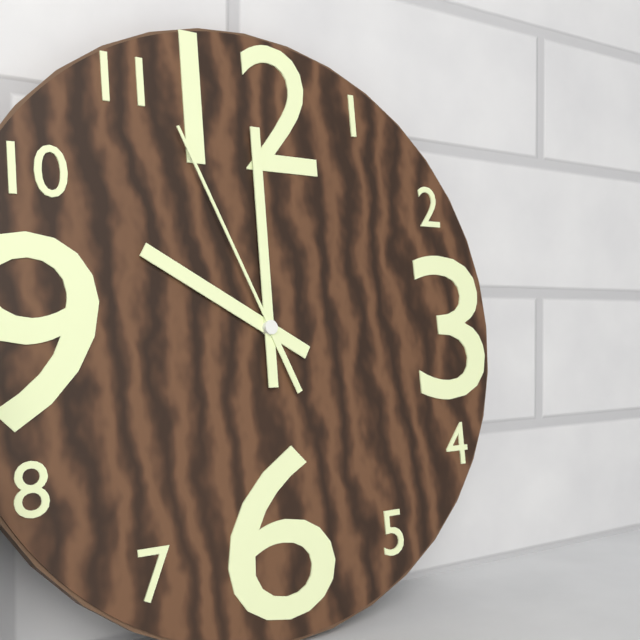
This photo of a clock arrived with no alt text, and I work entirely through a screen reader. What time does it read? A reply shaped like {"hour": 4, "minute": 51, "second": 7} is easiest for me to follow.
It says {"hour": 10, "minute": 0, "second": 56}
